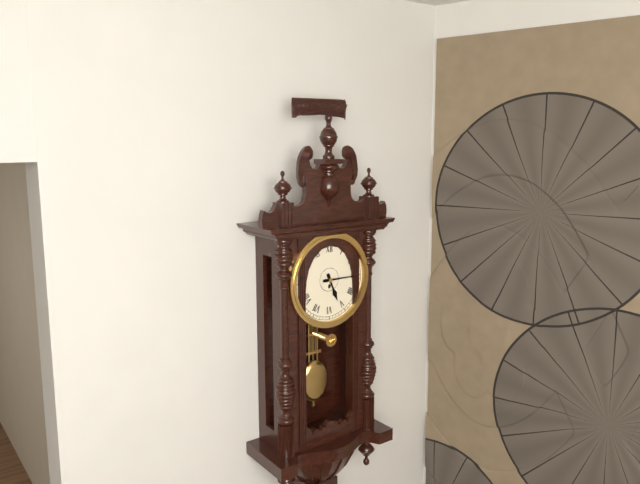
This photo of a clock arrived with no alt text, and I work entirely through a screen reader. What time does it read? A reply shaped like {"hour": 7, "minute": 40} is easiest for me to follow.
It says {"hour": 5, "minute": 15}
